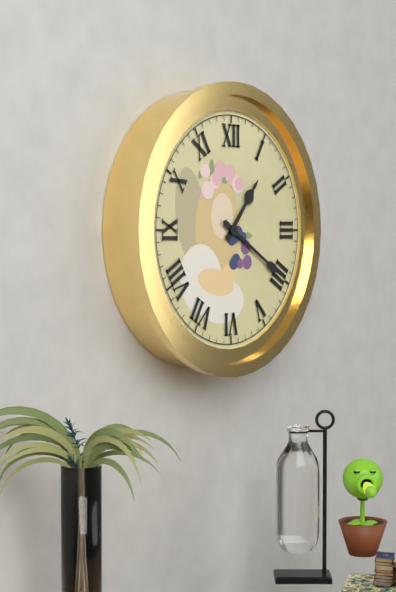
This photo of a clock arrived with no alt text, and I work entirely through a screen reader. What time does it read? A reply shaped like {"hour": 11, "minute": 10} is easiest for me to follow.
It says {"hour": 1, "minute": 20}
